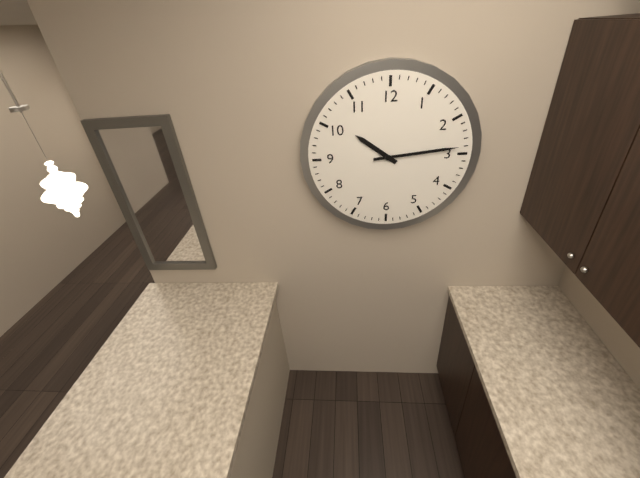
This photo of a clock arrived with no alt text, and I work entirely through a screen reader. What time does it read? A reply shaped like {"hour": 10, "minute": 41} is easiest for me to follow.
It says {"hour": 10, "minute": 14}
